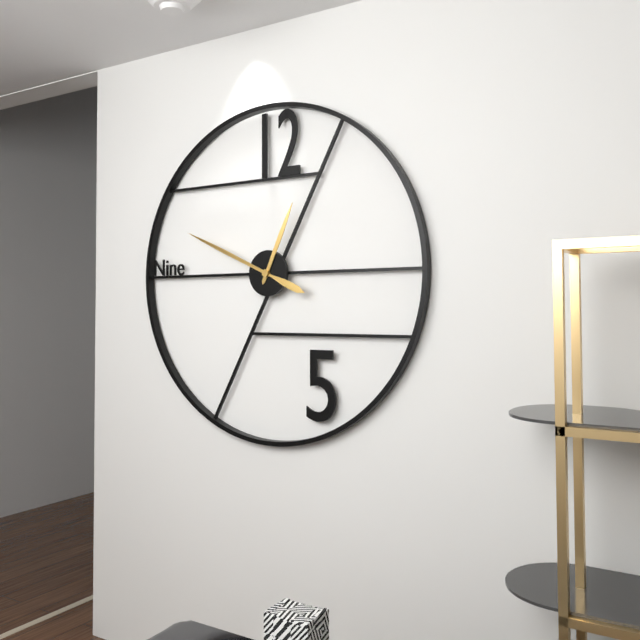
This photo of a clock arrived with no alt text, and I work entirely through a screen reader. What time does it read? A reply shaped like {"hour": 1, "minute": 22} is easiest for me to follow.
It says {"hour": 12, "minute": 49}
